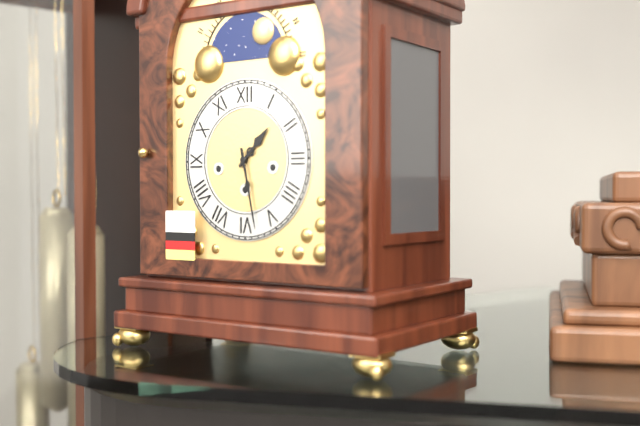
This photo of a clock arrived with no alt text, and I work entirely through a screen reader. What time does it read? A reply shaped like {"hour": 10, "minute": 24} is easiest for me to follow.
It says {"hour": 1, "minute": 28}
